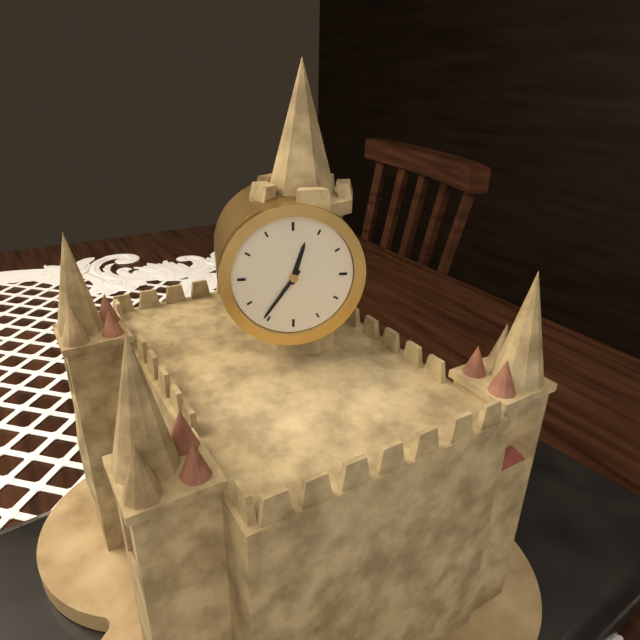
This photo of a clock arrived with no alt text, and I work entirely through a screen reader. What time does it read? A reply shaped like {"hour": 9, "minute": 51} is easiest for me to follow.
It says {"hour": 12, "minute": 36}
